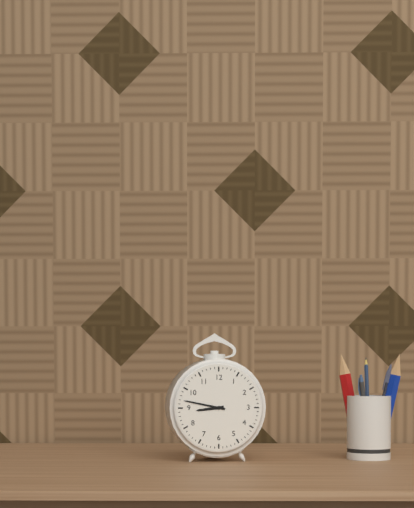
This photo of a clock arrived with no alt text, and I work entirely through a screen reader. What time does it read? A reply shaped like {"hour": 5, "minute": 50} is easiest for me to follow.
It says {"hour": 8, "minute": 47}
